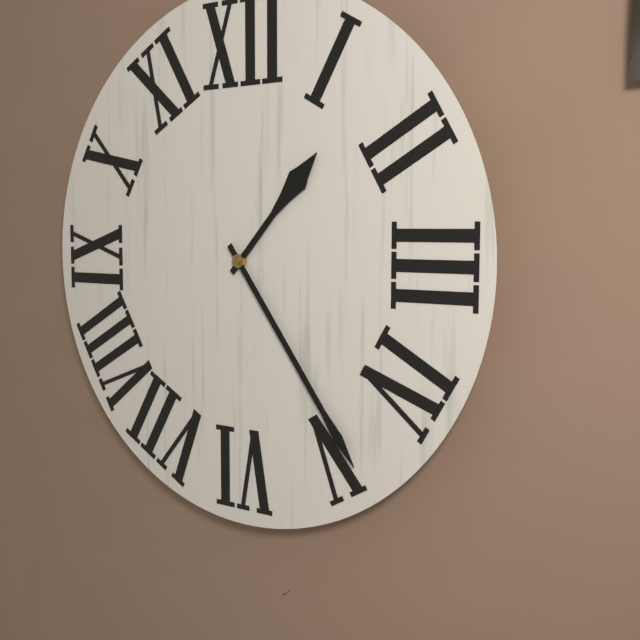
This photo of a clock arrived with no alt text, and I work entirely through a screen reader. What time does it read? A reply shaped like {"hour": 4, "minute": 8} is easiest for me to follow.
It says {"hour": 1, "minute": 24}
